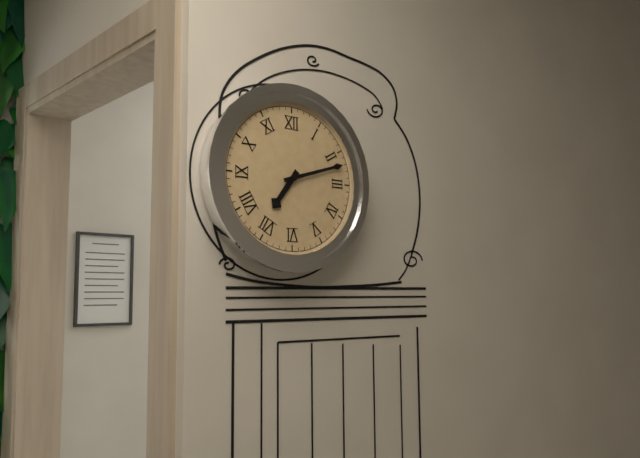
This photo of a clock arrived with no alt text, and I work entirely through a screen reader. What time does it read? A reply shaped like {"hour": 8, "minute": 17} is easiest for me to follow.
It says {"hour": 7, "minute": 12}
